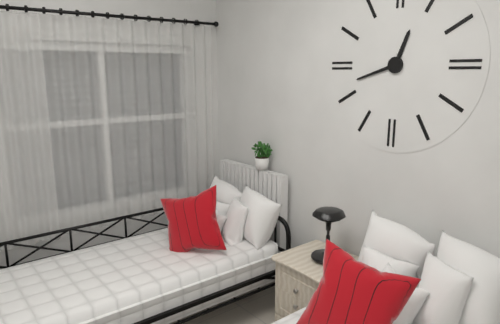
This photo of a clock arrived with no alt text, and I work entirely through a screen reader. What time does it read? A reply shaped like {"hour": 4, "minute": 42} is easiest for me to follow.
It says {"hour": 12, "minute": 42}
